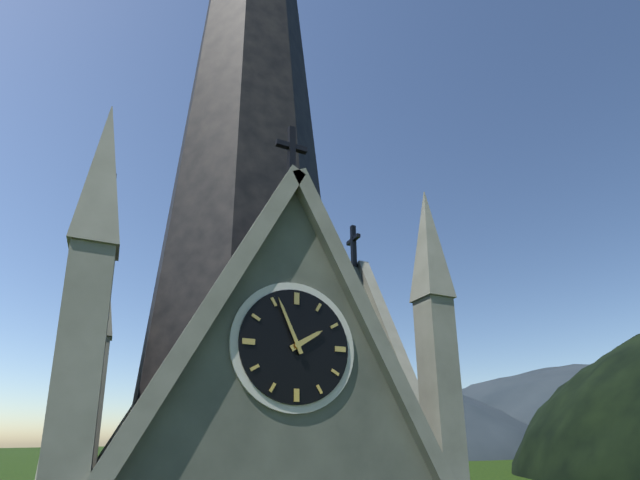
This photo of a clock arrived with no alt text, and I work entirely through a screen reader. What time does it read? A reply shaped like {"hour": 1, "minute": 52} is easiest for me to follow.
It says {"hour": 1, "minute": 56}
